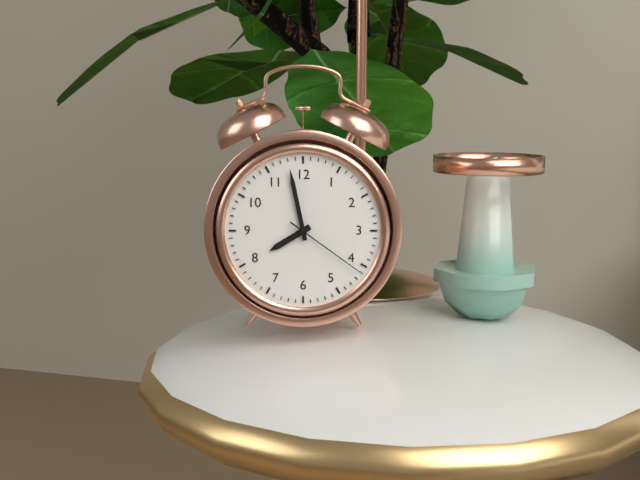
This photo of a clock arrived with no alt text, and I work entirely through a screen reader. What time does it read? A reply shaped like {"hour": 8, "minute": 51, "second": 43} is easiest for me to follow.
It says {"hour": 7, "minute": 58, "second": 21}
